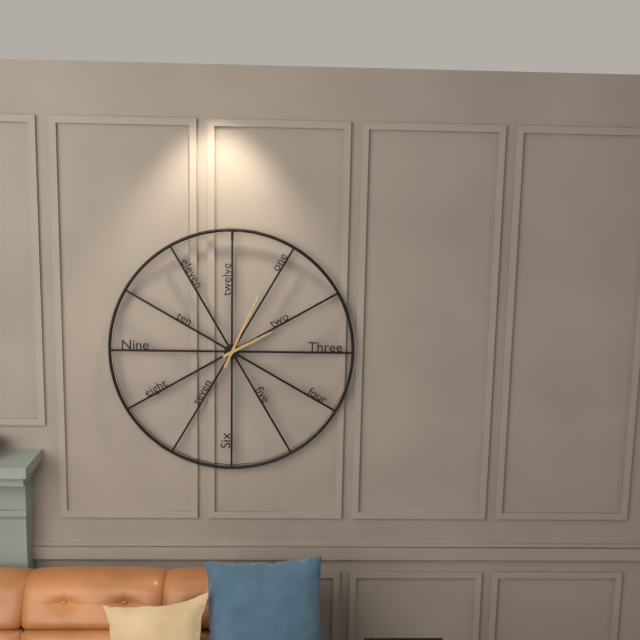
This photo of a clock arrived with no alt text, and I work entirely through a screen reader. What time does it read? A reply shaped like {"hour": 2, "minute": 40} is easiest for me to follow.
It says {"hour": 2, "minute": 4}
